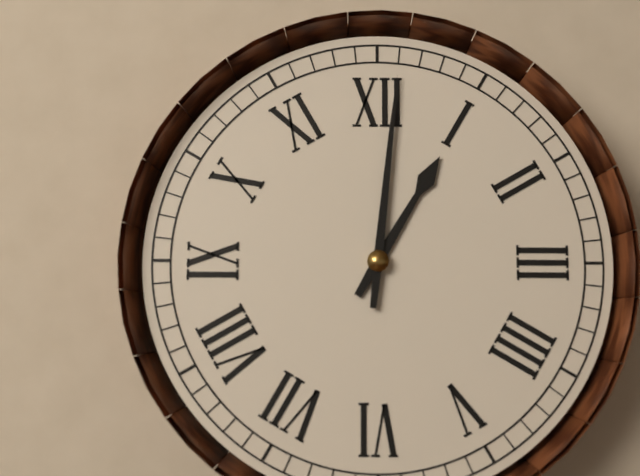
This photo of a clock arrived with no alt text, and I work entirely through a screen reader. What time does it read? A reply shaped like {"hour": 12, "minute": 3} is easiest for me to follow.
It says {"hour": 1, "minute": 1}
